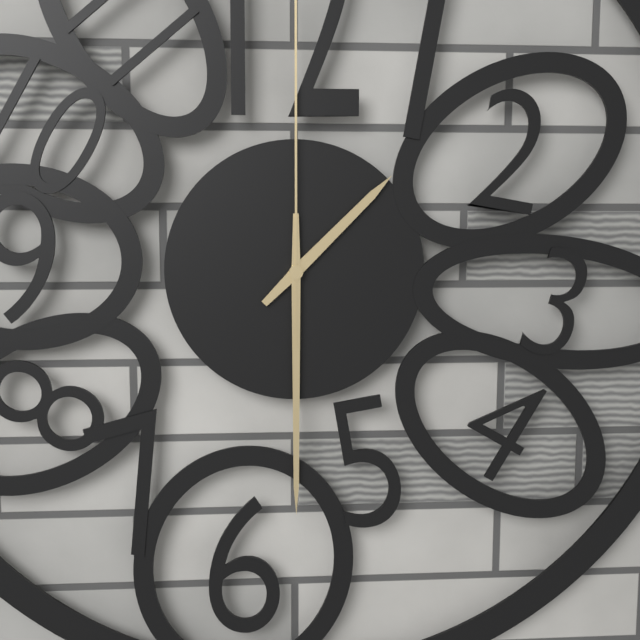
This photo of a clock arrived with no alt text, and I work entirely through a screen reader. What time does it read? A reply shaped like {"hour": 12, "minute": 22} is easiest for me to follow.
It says {"hour": 1, "minute": 30}
